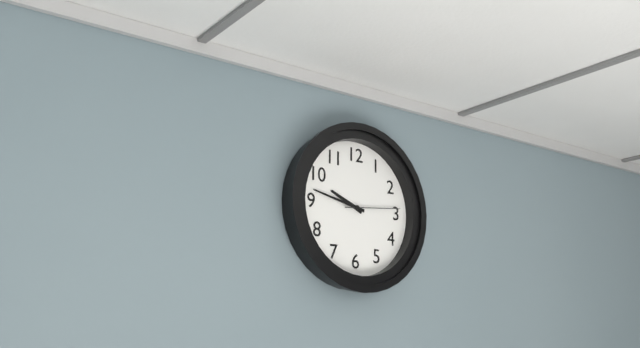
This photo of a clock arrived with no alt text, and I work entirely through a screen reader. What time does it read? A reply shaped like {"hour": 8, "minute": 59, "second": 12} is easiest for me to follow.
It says {"hour": 9, "minute": 47, "second": 14}
